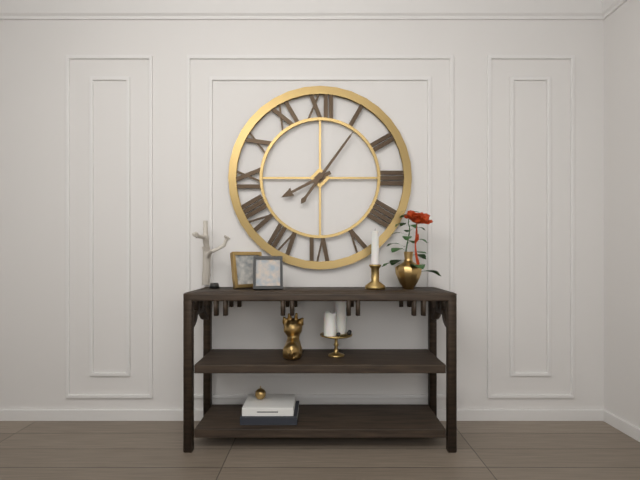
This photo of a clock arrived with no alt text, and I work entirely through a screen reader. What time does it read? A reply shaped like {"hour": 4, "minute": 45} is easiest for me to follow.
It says {"hour": 8, "minute": 6}
